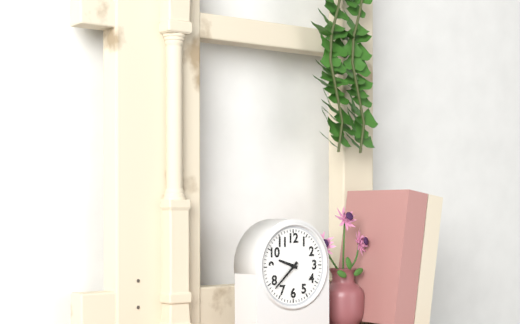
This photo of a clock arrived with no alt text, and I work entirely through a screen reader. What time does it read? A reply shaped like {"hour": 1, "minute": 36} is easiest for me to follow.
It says {"hour": 9, "minute": 38}
